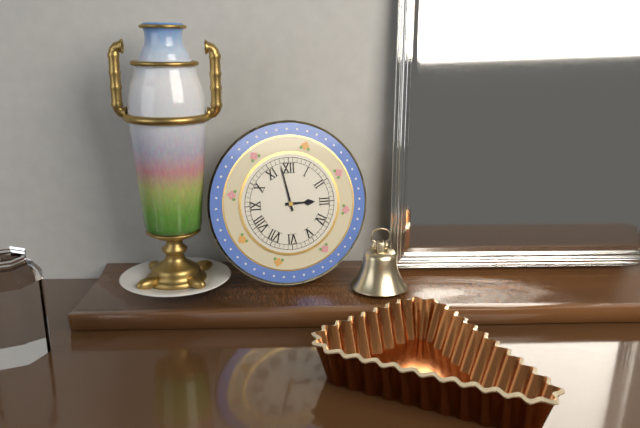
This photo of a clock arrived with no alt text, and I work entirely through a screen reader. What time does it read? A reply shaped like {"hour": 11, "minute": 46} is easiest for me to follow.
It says {"hour": 2, "minute": 58}
